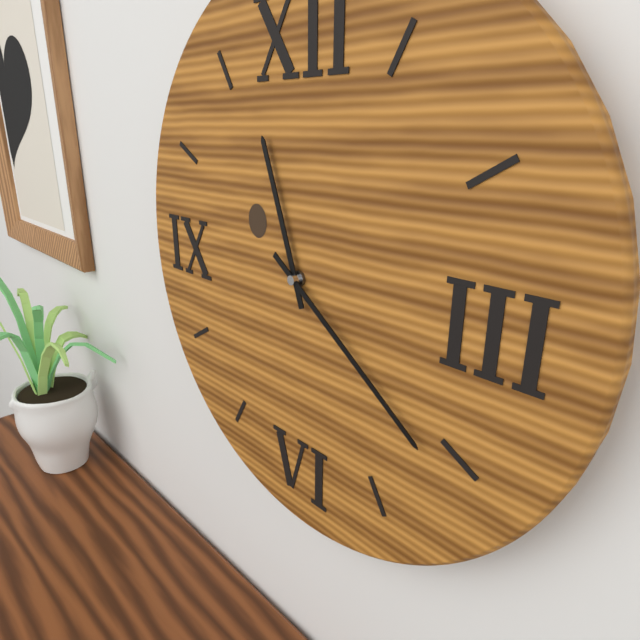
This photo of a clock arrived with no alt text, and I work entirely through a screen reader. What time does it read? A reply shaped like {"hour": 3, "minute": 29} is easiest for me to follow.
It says {"hour": 11, "minute": 21}
